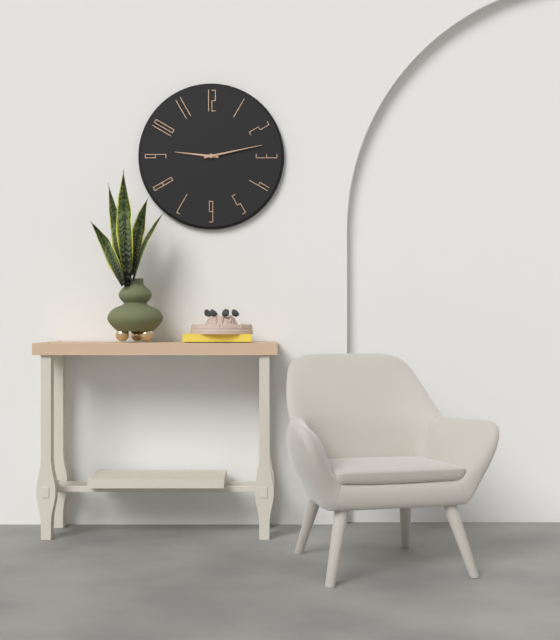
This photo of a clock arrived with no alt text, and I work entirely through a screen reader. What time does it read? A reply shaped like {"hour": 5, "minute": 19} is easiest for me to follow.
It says {"hour": 9, "minute": 13}
